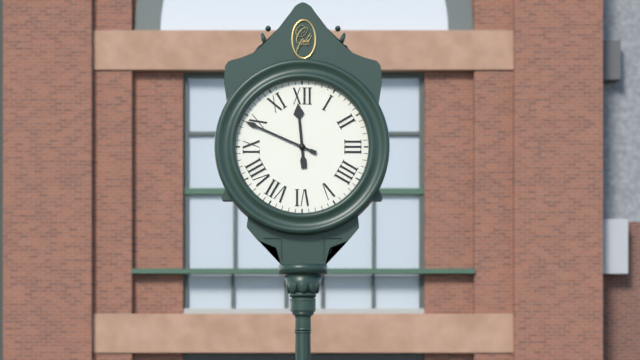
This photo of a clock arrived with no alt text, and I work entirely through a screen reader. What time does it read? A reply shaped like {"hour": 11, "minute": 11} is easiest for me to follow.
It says {"hour": 11, "minute": 49}
